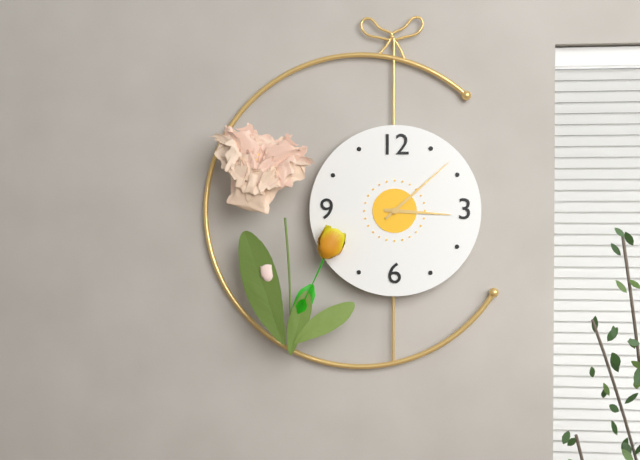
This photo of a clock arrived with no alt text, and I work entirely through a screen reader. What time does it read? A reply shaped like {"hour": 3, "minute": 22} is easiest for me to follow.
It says {"hour": 3, "minute": 8}
